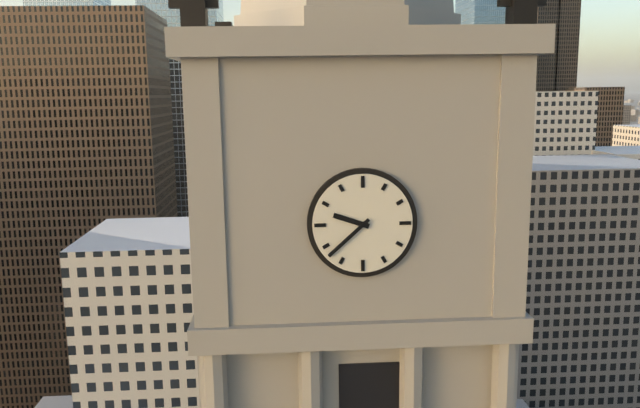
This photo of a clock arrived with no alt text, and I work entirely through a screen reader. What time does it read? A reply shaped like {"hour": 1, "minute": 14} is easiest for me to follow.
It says {"hour": 9, "minute": 38}
